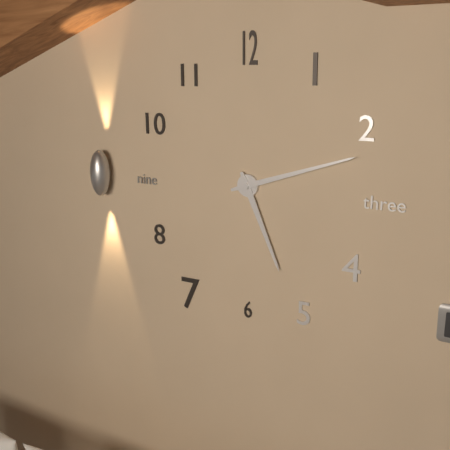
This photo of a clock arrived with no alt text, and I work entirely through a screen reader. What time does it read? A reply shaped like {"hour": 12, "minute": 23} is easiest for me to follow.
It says {"hour": 5, "minute": 12}
